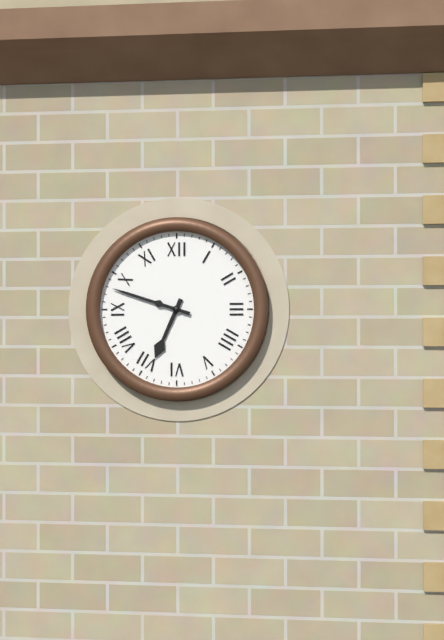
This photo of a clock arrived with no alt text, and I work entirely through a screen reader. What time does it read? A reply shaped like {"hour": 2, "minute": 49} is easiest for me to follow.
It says {"hour": 6, "minute": 48}
